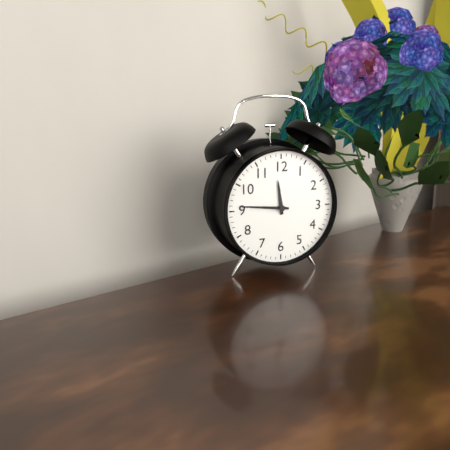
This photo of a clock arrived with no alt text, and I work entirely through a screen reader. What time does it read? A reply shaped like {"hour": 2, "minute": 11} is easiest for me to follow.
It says {"hour": 11, "minute": 46}
